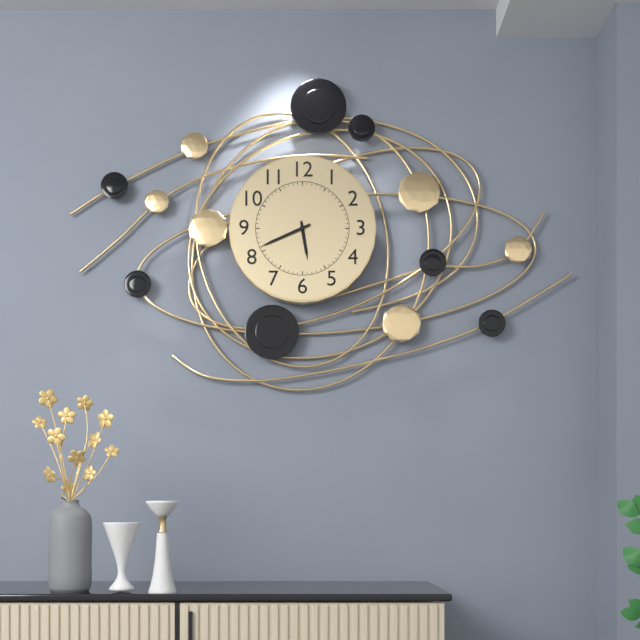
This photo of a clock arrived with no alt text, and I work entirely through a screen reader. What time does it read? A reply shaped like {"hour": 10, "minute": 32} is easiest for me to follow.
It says {"hour": 5, "minute": 41}
